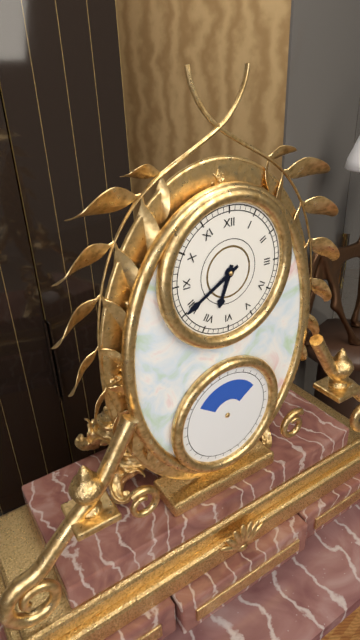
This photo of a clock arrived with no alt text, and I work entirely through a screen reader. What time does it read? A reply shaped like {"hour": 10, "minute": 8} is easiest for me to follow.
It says {"hour": 6, "minute": 40}
